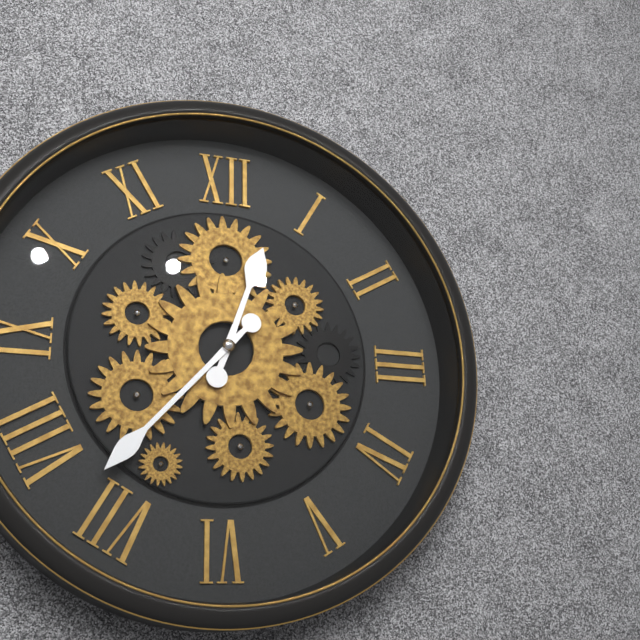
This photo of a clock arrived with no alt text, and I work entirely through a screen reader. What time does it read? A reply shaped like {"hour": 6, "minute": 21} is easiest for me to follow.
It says {"hour": 12, "minute": 37}
